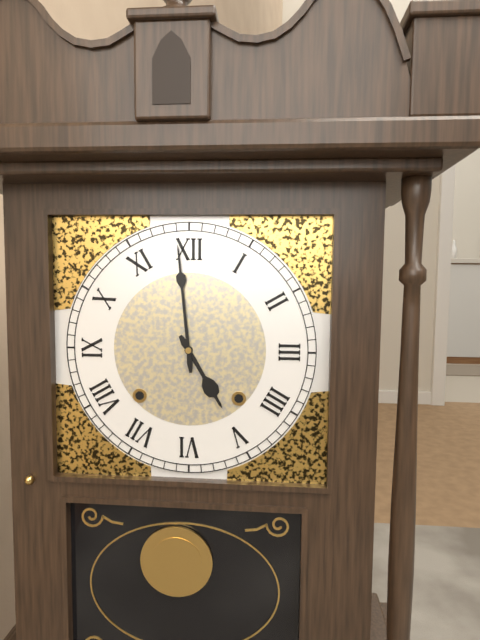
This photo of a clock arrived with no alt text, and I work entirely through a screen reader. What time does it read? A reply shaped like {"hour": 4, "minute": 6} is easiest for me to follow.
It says {"hour": 4, "minute": 59}
